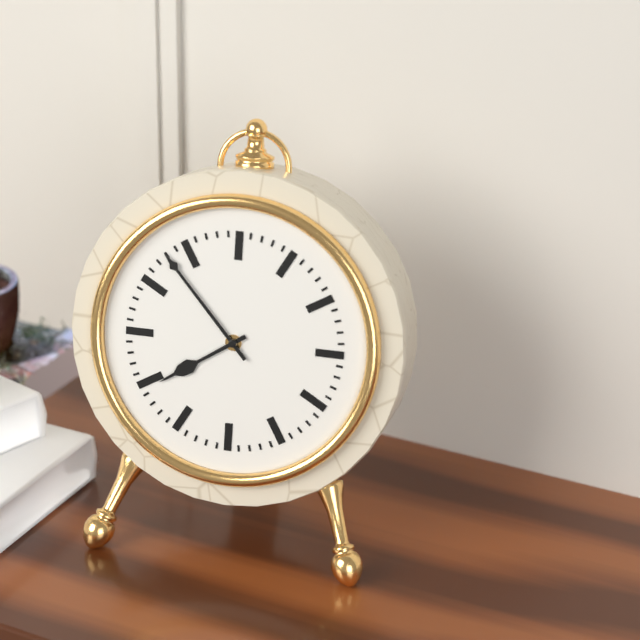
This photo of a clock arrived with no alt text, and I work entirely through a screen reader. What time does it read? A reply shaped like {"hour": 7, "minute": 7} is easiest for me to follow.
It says {"hour": 7, "minute": 53}
